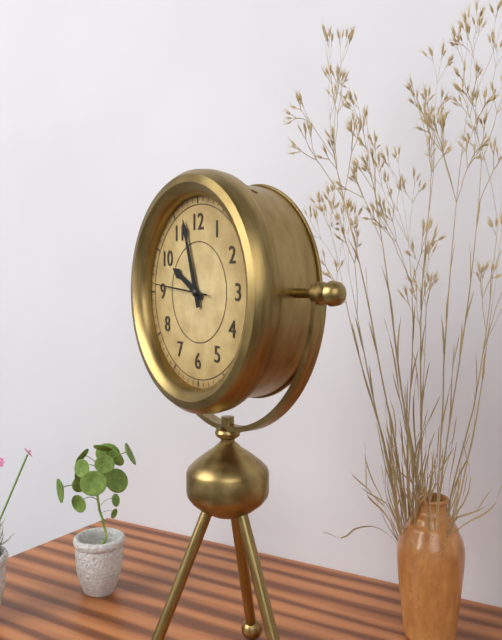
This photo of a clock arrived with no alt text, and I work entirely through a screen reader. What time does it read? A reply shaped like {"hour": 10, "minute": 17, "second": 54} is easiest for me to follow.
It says {"hour": 9, "minute": 57, "second": 46}
